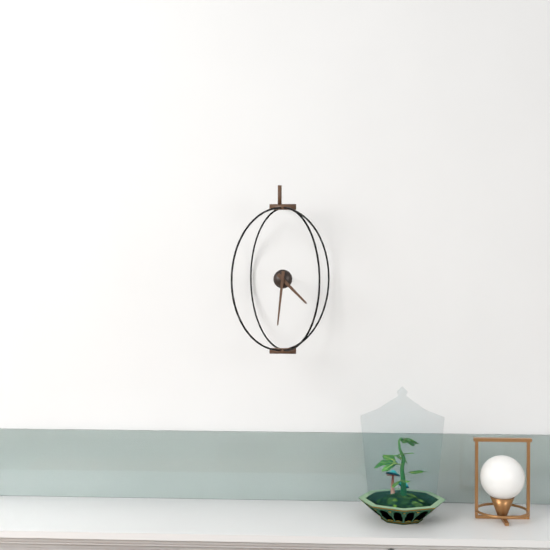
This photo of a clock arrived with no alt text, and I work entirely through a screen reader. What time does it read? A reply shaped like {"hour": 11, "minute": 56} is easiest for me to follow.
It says {"hour": 4, "minute": 31}
